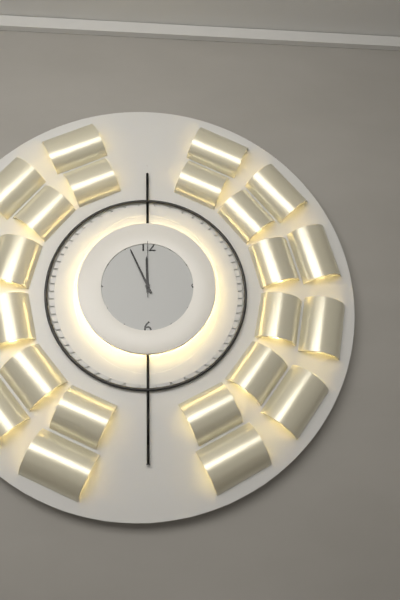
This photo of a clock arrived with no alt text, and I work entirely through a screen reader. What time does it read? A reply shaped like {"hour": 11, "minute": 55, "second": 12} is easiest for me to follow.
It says {"hour": 11, "minute": 56, "second": 0}
